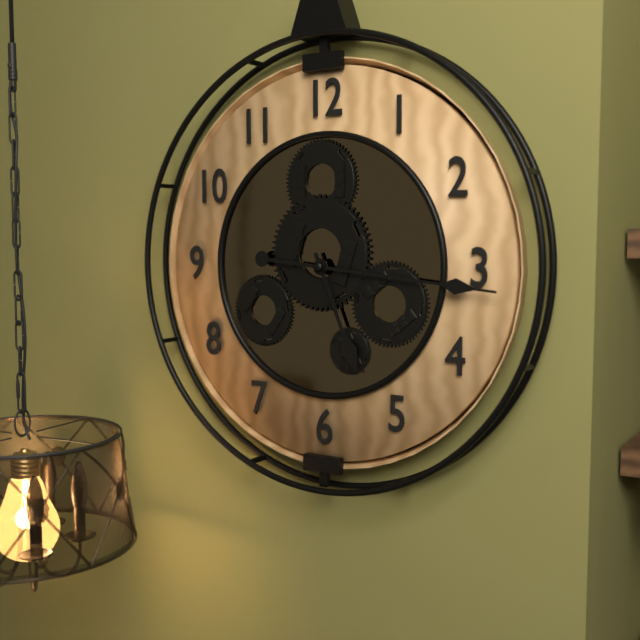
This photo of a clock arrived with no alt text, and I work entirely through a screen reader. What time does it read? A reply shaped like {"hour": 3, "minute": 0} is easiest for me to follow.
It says {"hour": 5, "minute": 16}
